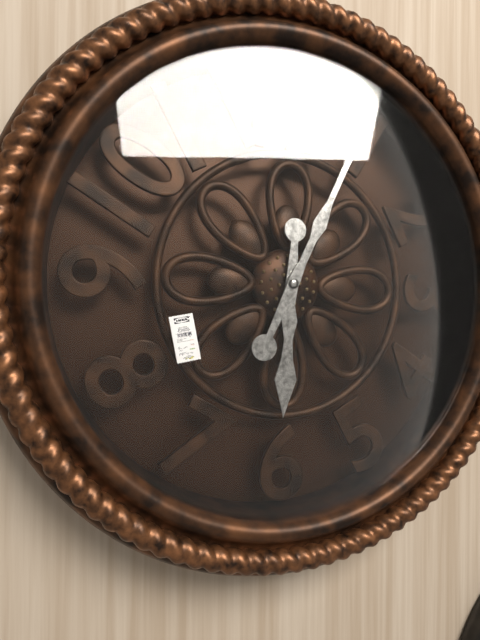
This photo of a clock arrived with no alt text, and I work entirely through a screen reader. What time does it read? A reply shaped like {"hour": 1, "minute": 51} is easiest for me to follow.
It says {"hour": 6, "minute": 4}
